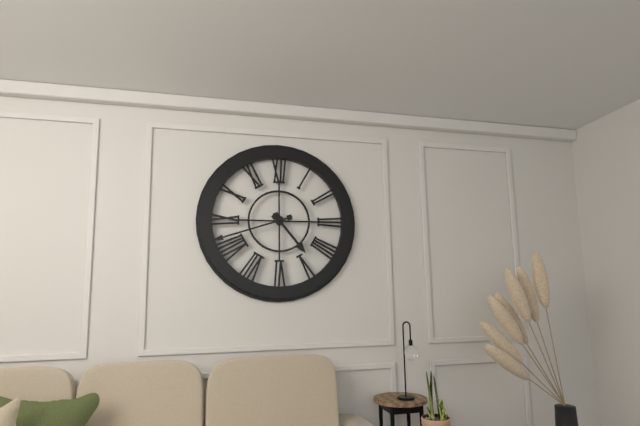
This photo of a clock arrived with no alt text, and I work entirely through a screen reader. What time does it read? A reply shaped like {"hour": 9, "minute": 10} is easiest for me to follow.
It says {"hour": 4, "minute": 42}
